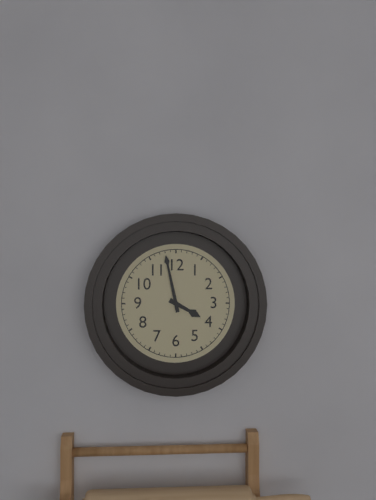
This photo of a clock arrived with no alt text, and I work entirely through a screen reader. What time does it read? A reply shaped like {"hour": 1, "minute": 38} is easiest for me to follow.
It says {"hour": 3, "minute": 58}
